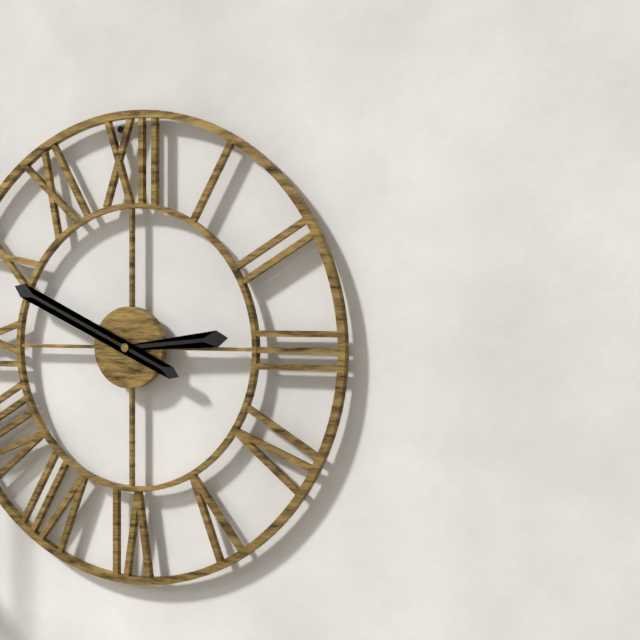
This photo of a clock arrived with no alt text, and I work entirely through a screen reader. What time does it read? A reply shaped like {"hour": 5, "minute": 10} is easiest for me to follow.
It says {"hour": 2, "minute": 49}
